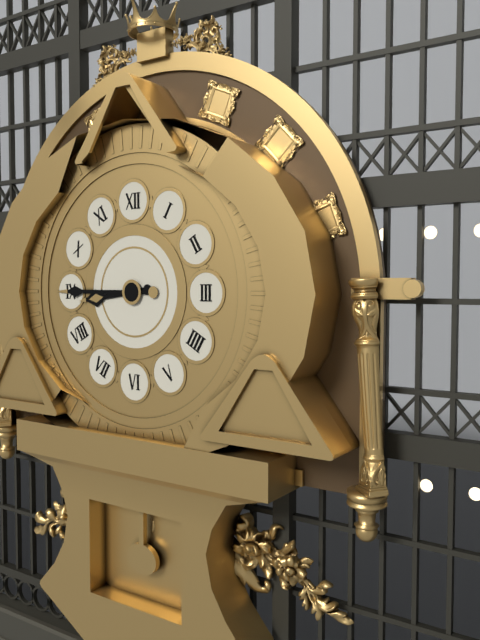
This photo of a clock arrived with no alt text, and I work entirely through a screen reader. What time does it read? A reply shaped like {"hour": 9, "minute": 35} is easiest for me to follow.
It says {"hour": 8, "minute": 45}
